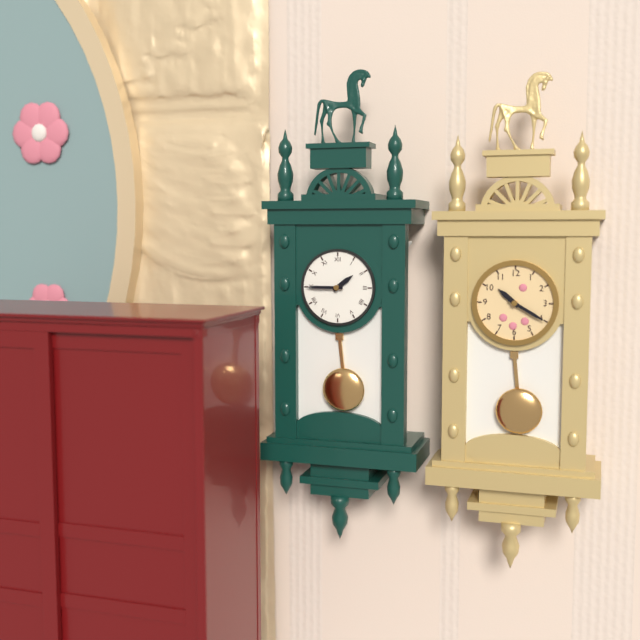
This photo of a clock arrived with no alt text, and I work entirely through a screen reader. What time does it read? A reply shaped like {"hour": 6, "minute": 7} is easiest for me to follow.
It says {"hour": 1, "minute": 45}
